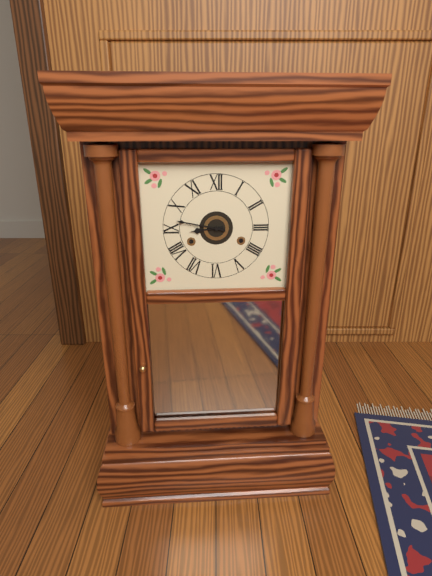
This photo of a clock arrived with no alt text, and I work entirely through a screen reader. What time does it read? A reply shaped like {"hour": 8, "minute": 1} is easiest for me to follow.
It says {"hour": 8, "minute": 47}
